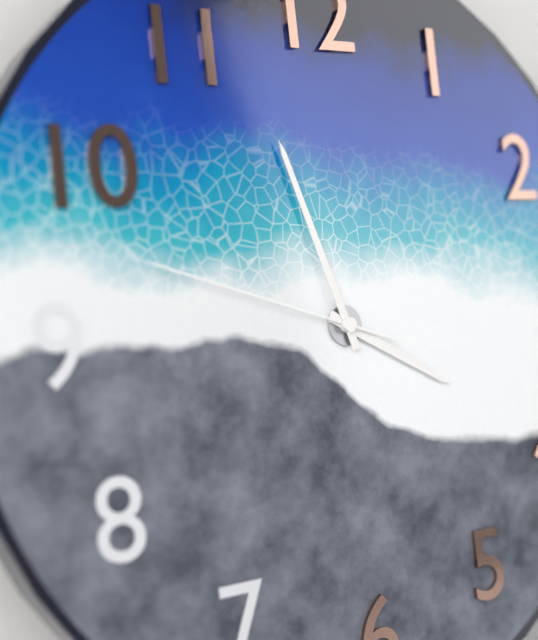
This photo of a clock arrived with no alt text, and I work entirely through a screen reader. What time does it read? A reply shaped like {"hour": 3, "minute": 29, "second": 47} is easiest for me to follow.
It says {"hour": 3, "minute": 57, "second": 48}
